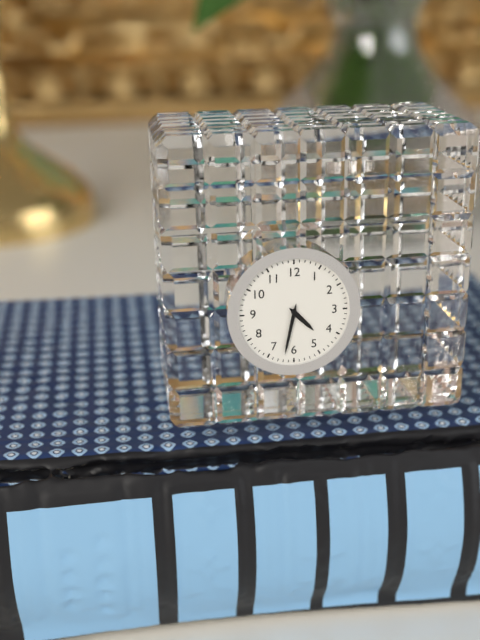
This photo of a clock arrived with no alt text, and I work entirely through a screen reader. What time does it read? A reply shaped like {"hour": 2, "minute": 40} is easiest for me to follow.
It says {"hour": 4, "minute": 32}
